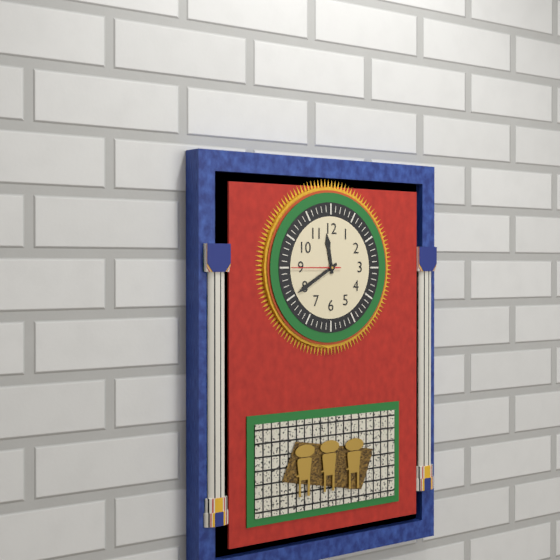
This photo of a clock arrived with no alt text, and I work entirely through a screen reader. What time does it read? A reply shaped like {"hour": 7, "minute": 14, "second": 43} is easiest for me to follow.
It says {"hour": 11, "minute": 40, "second": 45}
